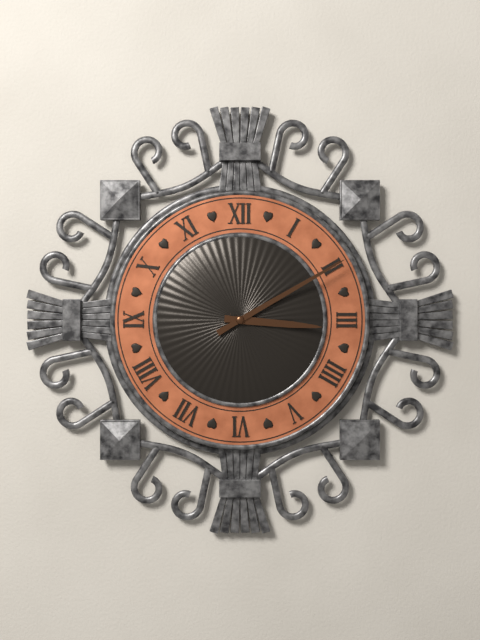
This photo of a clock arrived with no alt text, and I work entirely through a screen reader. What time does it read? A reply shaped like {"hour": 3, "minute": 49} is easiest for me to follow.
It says {"hour": 3, "minute": 10}
